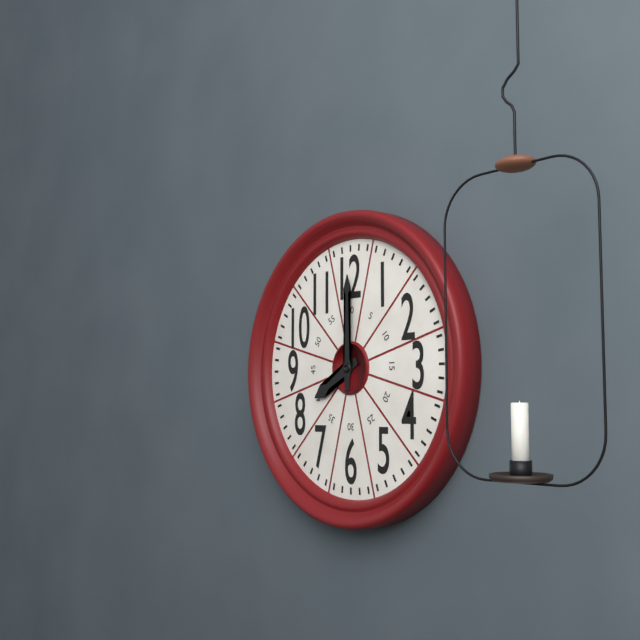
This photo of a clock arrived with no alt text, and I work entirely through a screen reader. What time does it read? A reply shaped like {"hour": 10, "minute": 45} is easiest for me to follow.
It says {"hour": 8, "minute": 0}
